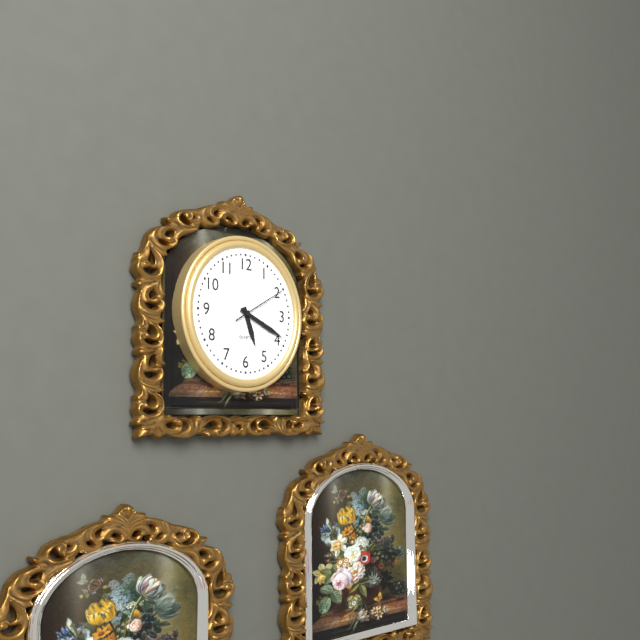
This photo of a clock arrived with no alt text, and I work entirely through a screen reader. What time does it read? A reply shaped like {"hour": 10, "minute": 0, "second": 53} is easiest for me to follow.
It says {"hour": 5, "minute": 19, "second": 10}
